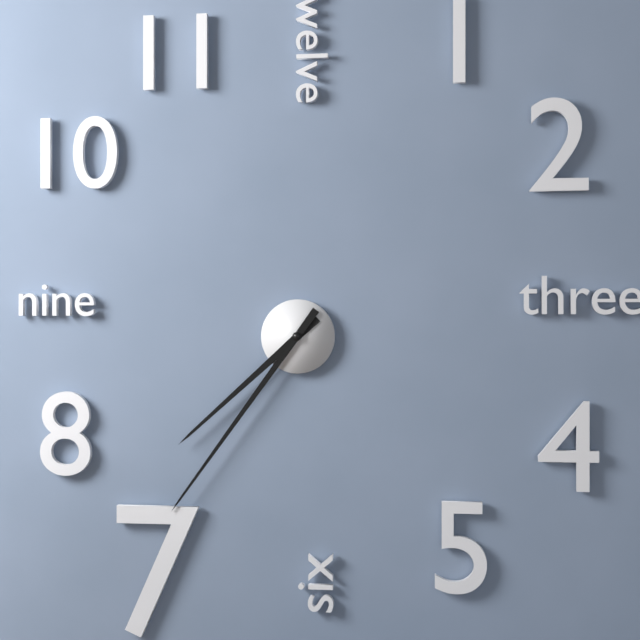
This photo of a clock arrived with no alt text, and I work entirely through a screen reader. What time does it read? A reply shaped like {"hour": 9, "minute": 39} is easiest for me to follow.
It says {"hour": 7, "minute": 36}
